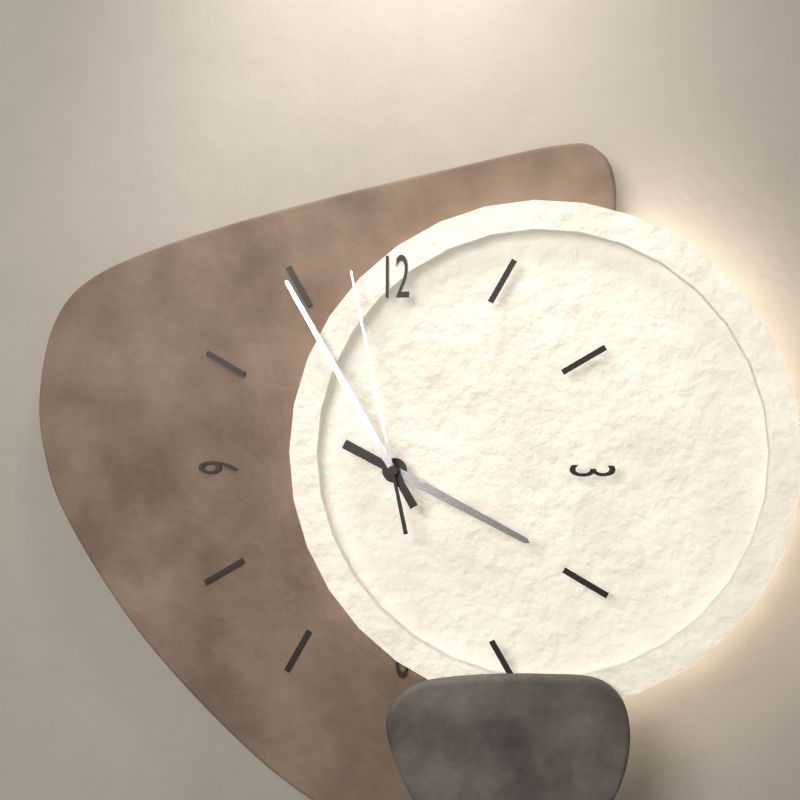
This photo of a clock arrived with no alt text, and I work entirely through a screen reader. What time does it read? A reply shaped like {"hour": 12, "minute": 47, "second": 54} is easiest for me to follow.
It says {"hour": 3, "minute": 55, "second": 58}
